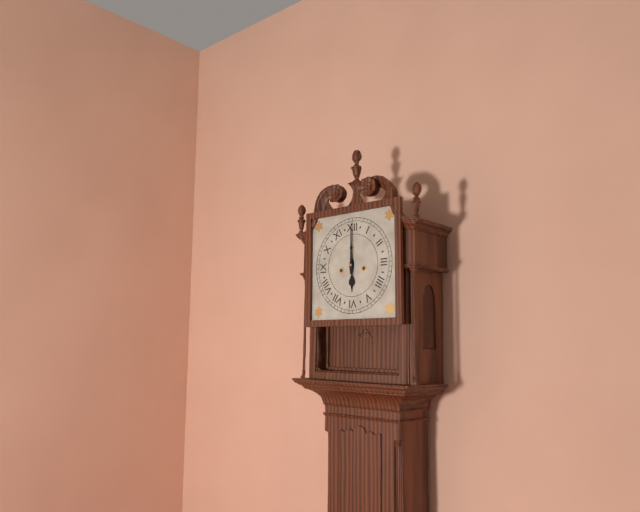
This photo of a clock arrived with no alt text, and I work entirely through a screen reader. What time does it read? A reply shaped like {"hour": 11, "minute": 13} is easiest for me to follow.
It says {"hour": 6, "minute": 0}
